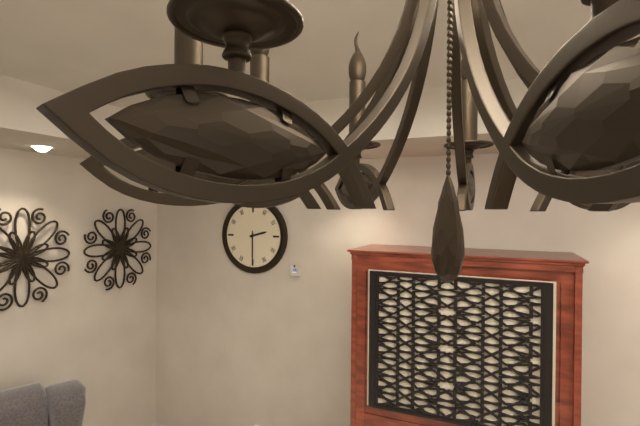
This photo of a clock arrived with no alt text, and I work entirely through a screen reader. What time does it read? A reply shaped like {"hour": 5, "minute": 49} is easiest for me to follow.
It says {"hour": 2, "minute": 30}
